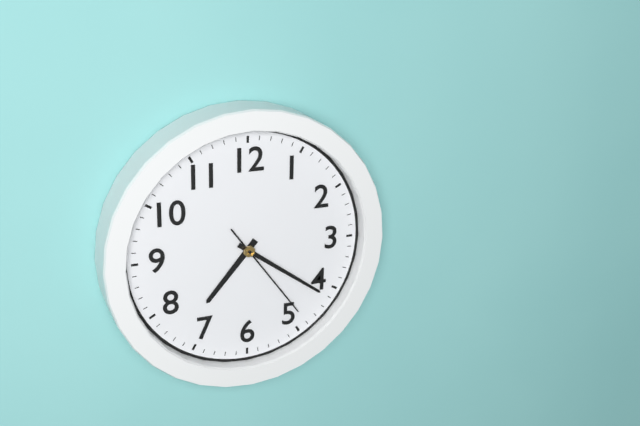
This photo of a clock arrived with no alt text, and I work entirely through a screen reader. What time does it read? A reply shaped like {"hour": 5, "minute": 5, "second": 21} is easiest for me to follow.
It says {"hour": 7, "minute": 21, "second": 24}
